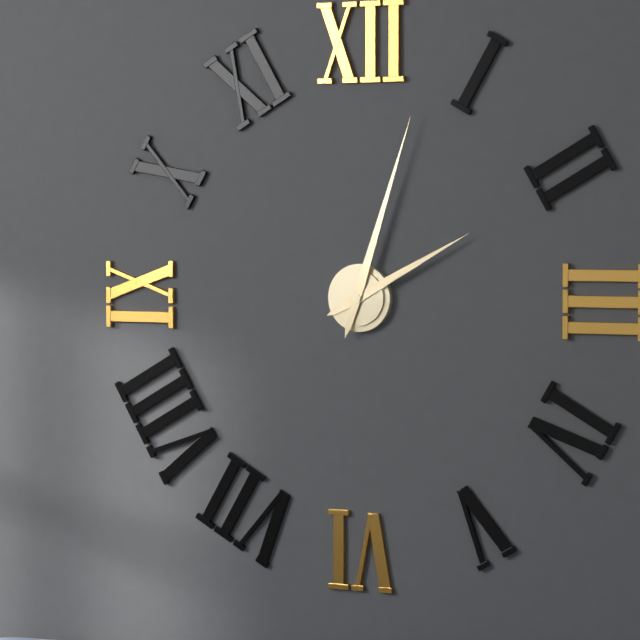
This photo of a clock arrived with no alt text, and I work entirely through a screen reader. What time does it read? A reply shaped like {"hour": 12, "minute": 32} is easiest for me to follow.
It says {"hour": 2, "minute": 3}
